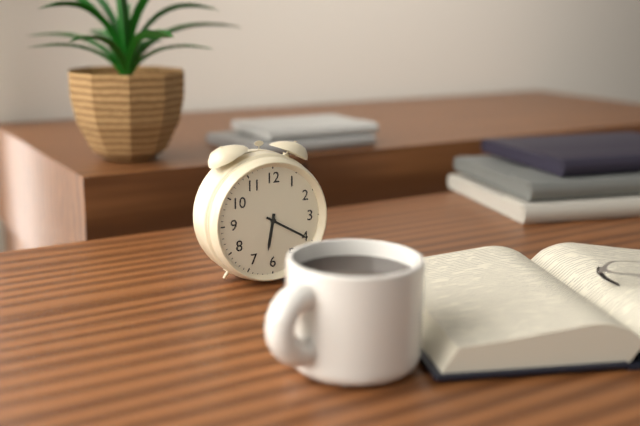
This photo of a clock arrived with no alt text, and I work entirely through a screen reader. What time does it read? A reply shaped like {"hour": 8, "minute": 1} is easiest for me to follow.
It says {"hour": 6, "minute": 20}
